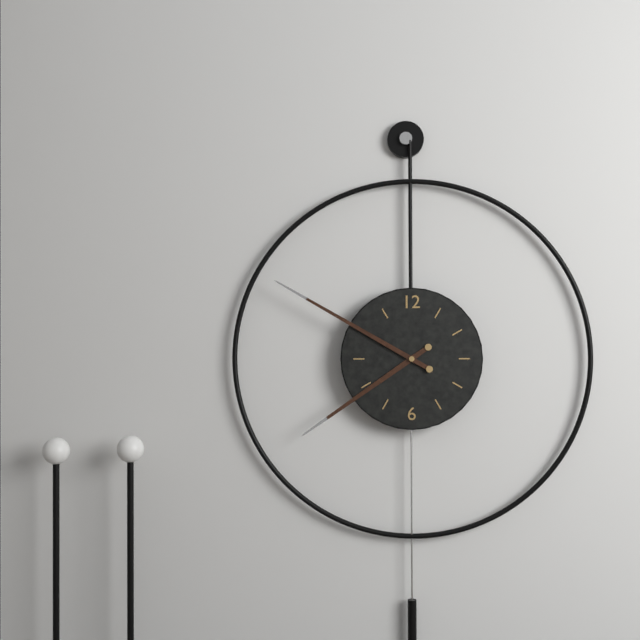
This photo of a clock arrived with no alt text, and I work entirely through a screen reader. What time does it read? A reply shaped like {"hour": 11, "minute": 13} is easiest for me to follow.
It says {"hour": 7, "minute": 50}
